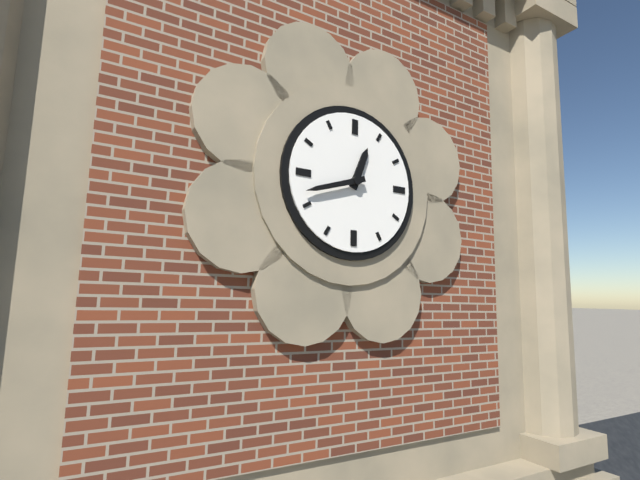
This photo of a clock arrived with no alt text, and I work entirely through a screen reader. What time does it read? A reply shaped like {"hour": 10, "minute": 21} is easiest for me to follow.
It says {"hour": 12, "minute": 42}
